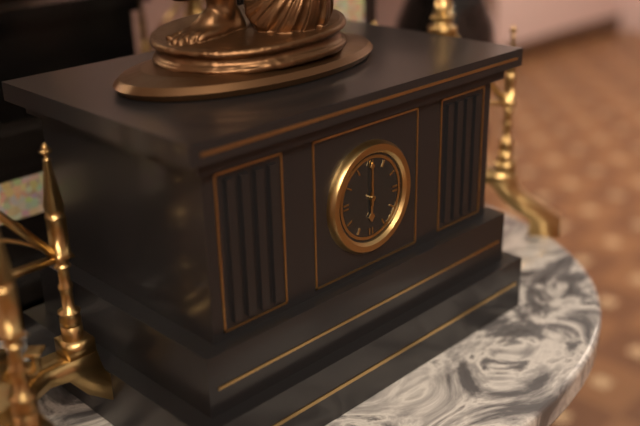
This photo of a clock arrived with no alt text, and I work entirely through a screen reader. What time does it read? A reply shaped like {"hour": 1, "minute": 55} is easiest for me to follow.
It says {"hour": 6, "minute": 0}
